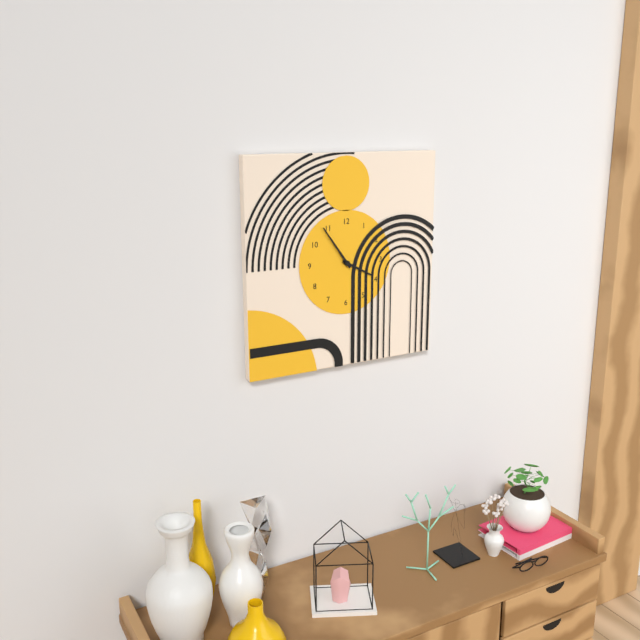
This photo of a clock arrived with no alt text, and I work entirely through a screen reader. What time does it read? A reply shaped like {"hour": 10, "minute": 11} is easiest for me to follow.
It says {"hour": 3, "minute": 54}
